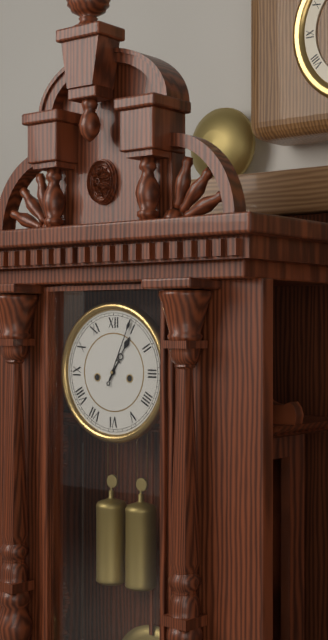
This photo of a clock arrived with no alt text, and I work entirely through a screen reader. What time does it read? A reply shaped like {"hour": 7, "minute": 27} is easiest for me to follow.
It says {"hour": 1, "minute": 4}
